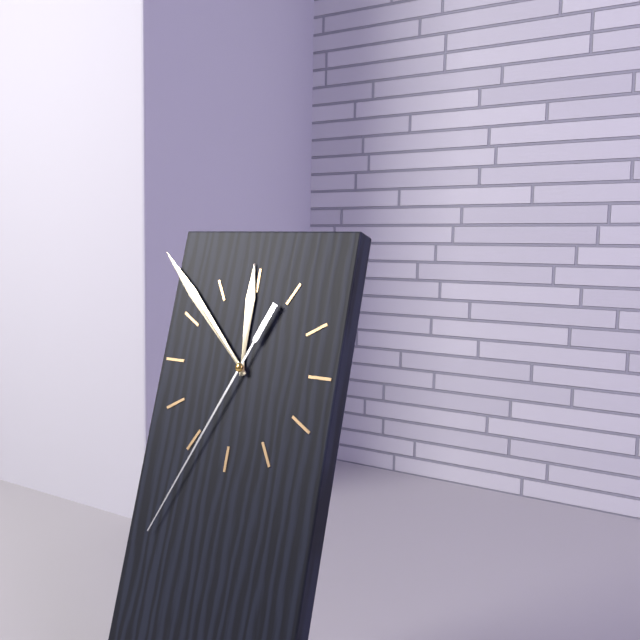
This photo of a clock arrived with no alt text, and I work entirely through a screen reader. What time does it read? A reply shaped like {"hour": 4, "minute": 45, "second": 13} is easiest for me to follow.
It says {"hour": 11, "minute": 52, "second": 34}
